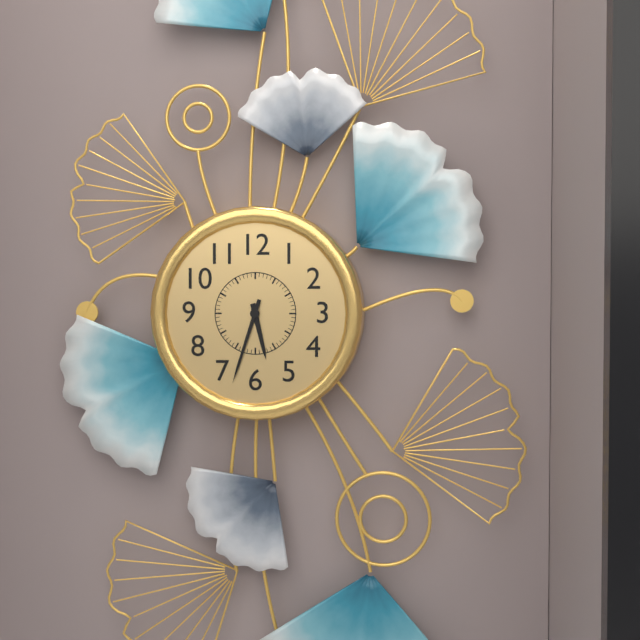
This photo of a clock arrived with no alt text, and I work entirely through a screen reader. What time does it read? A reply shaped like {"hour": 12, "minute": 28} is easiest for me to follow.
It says {"hour": 5, "minute": 33}
